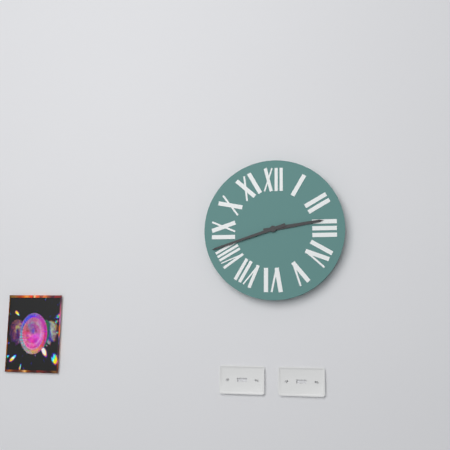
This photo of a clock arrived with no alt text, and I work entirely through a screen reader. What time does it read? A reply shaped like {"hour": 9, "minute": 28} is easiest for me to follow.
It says {"hour": 2, "minute": 42}
